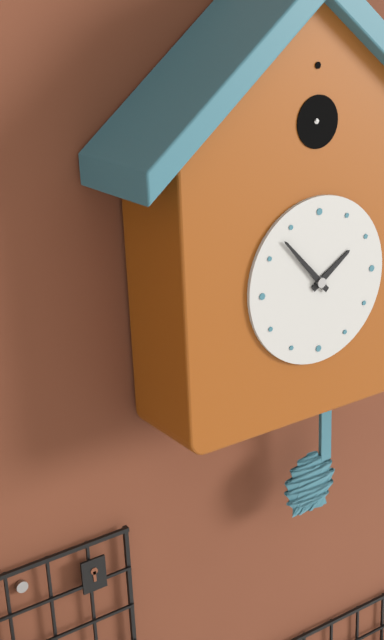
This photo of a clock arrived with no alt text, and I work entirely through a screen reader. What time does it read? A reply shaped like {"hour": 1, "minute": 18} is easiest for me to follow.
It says {"hour": 1, "minute": 53}
